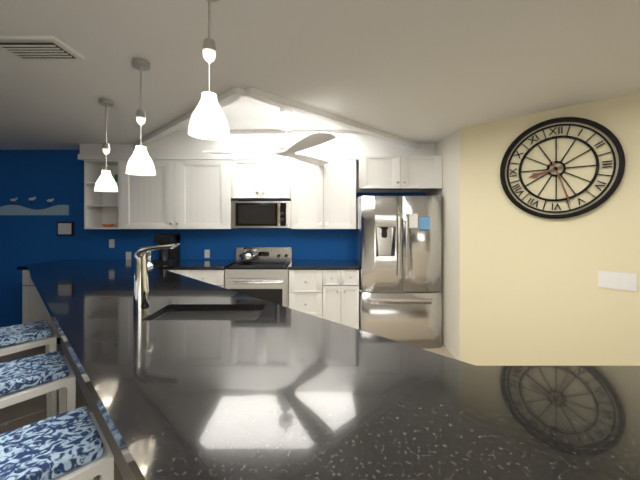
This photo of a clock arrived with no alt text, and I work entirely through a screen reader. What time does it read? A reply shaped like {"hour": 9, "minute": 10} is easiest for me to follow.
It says {"hour": 8, "minute": 27}
